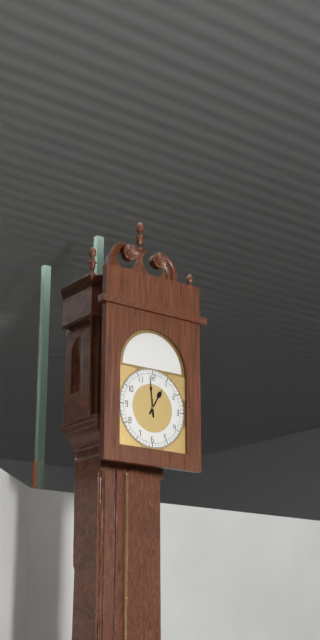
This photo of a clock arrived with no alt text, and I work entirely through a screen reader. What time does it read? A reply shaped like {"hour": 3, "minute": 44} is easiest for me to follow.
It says {"hour": 12, "minute": 59}
